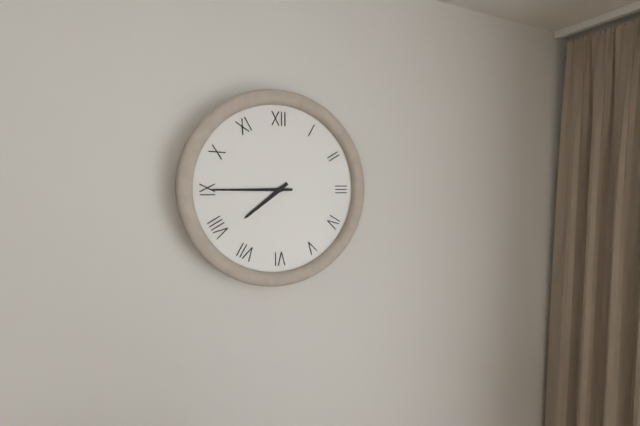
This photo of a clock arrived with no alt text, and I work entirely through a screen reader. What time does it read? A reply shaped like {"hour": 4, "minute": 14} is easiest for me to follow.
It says {"hour": 7, "minute": 45}
